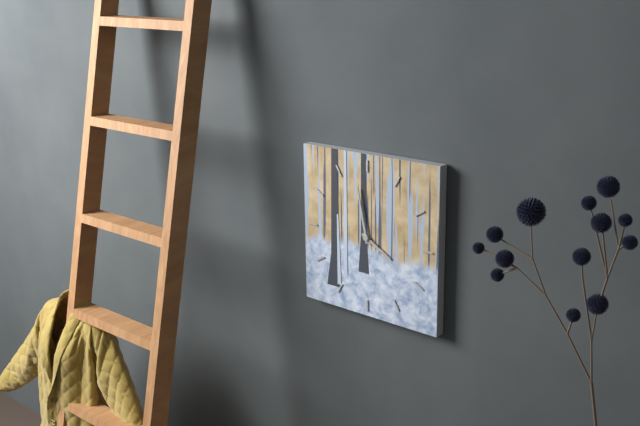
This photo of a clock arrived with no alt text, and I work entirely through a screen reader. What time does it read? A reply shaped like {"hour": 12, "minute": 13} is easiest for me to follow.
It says {"hour": 3, "minute": 58}
